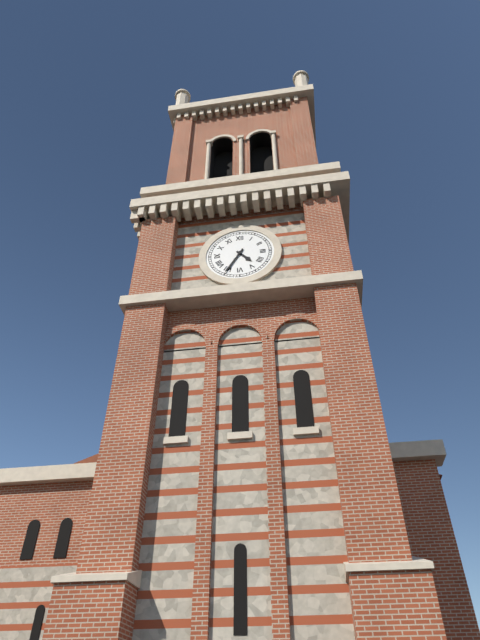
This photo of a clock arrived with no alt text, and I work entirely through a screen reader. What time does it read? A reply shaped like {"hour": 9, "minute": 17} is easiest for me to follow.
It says {"hour": 4, "minute": 35}
